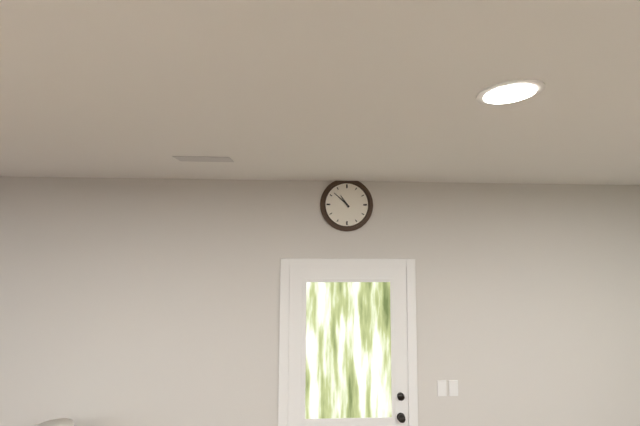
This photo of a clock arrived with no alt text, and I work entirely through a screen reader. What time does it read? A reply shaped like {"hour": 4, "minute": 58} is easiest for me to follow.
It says {"hour": 10, "minute": 52}
